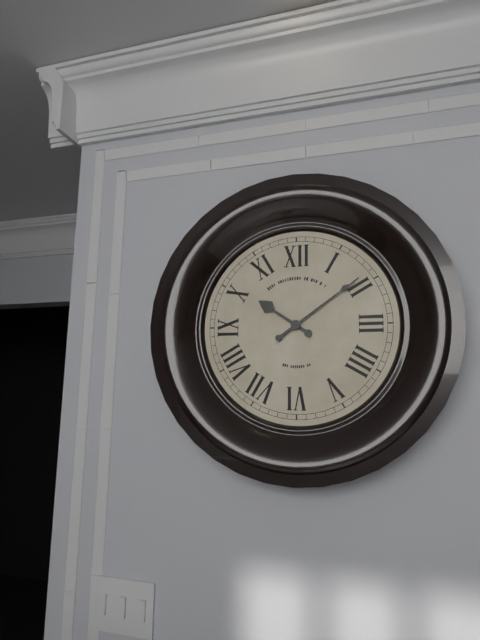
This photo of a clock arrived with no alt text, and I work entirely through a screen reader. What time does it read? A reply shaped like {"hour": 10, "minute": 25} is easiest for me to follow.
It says {"hour": 10, "minute": 9}
